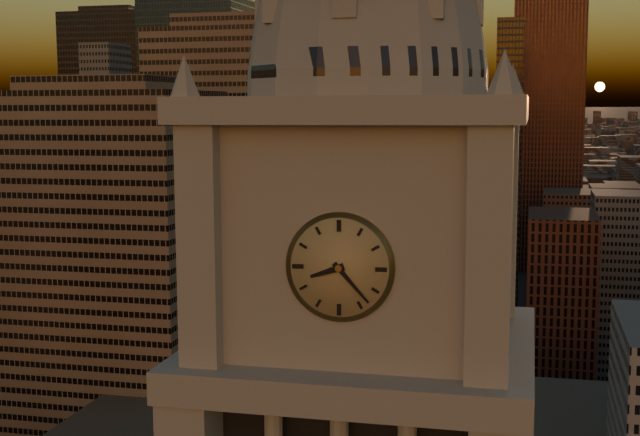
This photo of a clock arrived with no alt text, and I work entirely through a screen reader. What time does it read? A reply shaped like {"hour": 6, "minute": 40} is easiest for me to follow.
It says {"hour": 8, "minute": 23}
